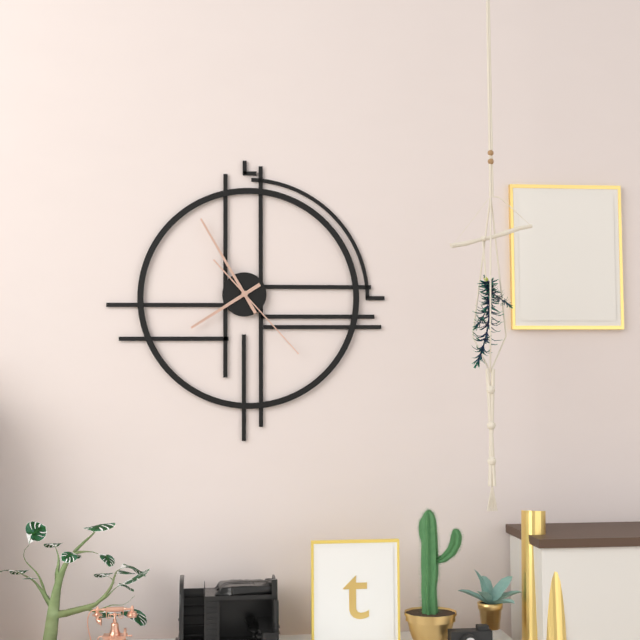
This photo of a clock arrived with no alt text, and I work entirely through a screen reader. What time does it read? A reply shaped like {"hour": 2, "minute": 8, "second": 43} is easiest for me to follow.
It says {"hour": 7, "minute": 55, "second": 23}
